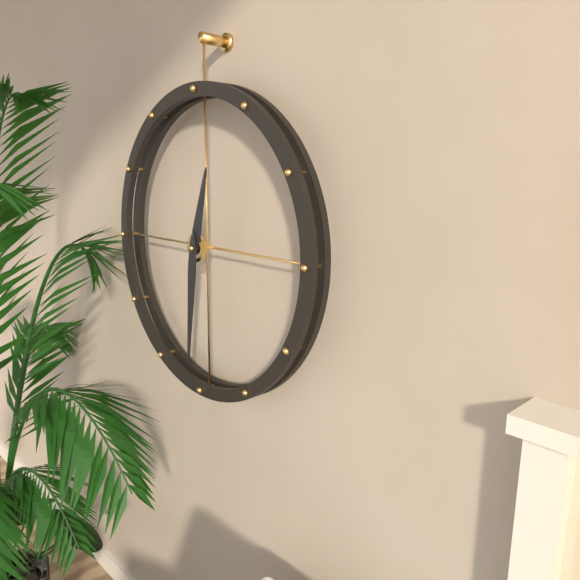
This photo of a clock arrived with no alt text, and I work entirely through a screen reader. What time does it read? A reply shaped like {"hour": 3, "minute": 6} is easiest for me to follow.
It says {"hour": 12, "minute": 31}
